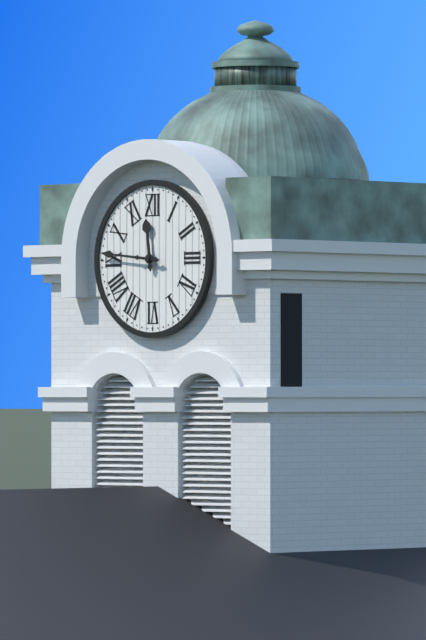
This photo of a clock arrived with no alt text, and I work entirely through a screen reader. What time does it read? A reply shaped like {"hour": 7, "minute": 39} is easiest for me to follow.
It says {"hour": 11, "minute": 46}
